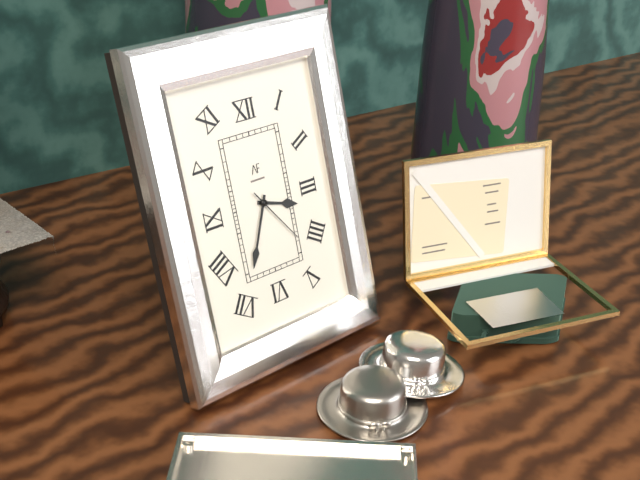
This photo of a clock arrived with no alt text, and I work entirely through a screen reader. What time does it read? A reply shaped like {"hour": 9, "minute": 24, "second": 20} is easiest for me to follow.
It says {"hour": 3, "minute": 34, "second": 24}
